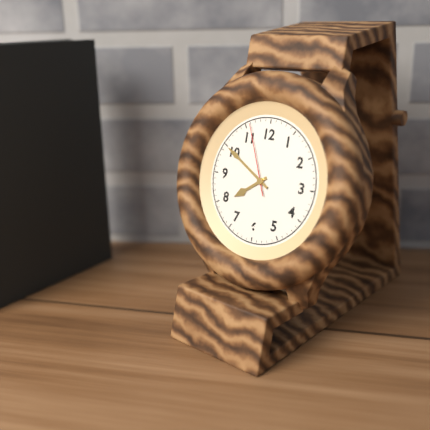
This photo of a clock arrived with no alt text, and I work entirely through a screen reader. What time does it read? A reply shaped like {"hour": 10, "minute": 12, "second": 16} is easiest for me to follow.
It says {"hour": 7, "minute": 50, "second": 56}
